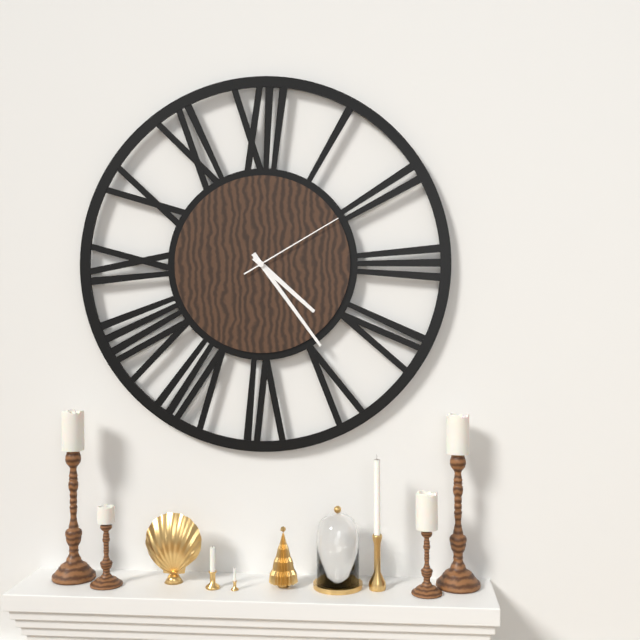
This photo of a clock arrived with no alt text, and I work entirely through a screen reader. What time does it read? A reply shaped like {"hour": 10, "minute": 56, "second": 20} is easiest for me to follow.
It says {"hour": 4, "minute": 24, "second": 10}
